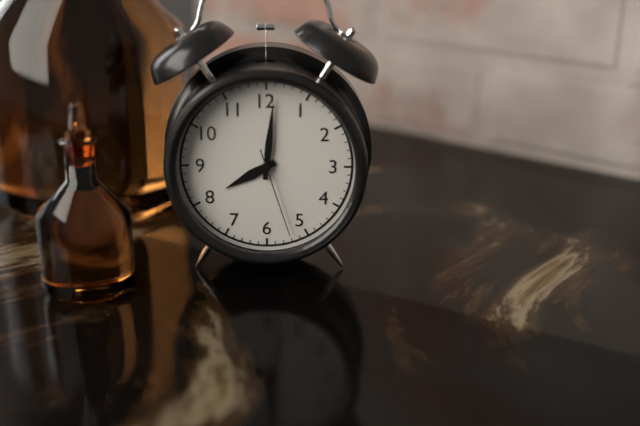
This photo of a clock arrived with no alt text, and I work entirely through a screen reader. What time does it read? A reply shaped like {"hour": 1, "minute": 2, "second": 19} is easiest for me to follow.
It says {"hour": 8, "minute": 1, "second": 27}
